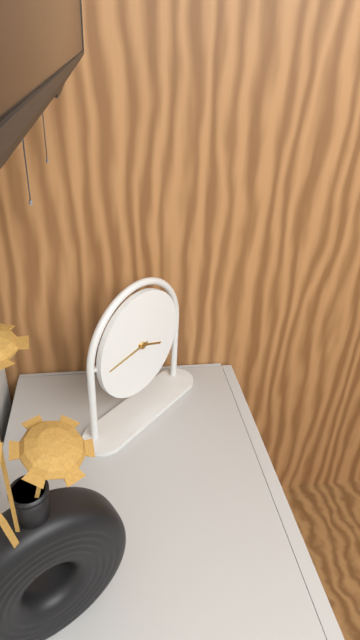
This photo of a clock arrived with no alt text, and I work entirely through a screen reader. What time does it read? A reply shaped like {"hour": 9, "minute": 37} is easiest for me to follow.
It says {"hour": 3, "minute": 44}
